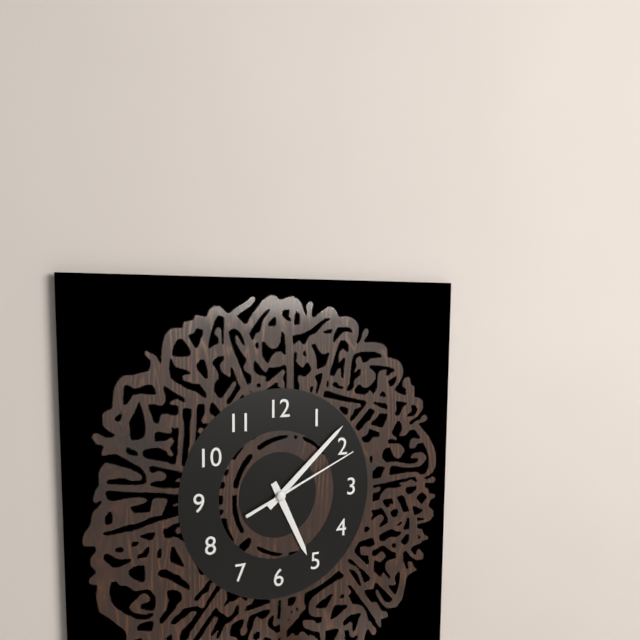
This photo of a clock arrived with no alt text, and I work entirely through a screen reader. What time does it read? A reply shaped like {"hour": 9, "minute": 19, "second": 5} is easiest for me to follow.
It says {"hour": 5, "minute": 8, "second": 11}
